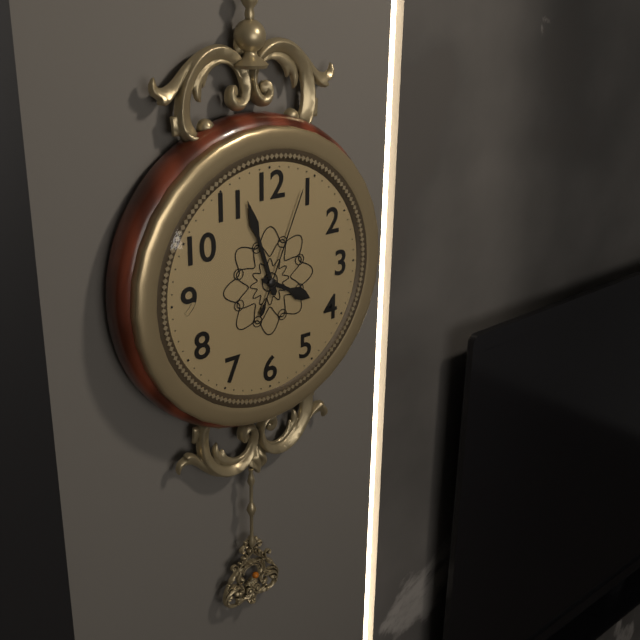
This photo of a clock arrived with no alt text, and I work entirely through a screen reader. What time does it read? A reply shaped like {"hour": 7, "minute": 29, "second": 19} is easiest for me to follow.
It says {"hour": 3, "minute": 57, "second": 4}
